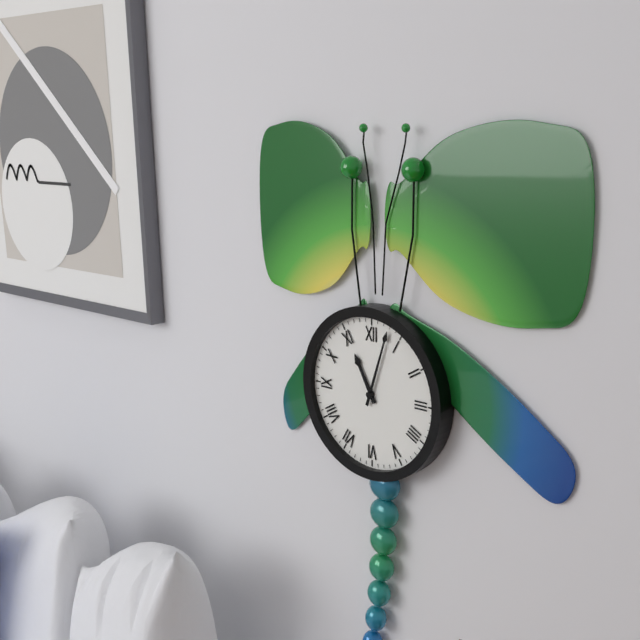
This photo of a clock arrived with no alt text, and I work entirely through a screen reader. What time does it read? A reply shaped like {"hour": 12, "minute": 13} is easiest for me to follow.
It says {"hour": 11, "minute": 3}
